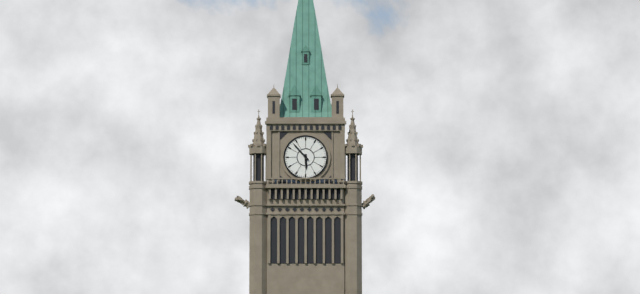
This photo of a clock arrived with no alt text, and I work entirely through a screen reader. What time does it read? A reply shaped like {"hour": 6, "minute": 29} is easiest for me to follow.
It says {"hour": 5, "minute": 53}
